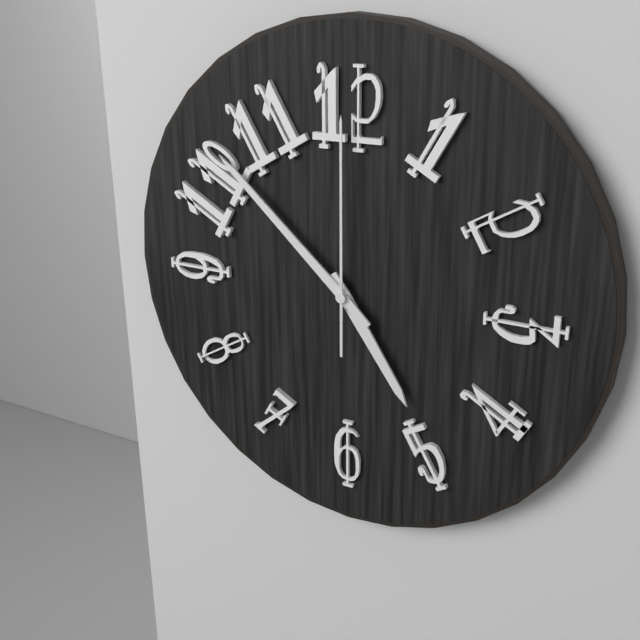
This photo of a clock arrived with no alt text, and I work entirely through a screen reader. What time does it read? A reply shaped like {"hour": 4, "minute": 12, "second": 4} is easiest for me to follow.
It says {"hour": 4, "minute": 52, "second": 0}
